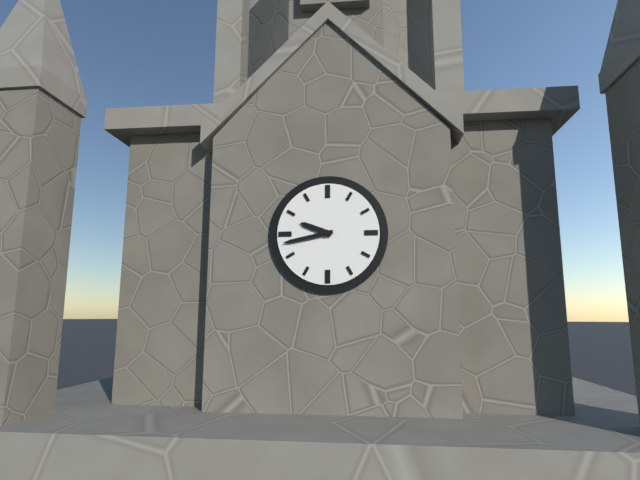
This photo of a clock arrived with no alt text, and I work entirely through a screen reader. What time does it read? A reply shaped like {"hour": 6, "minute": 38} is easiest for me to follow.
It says {"hour": 9, "minute": 43}
